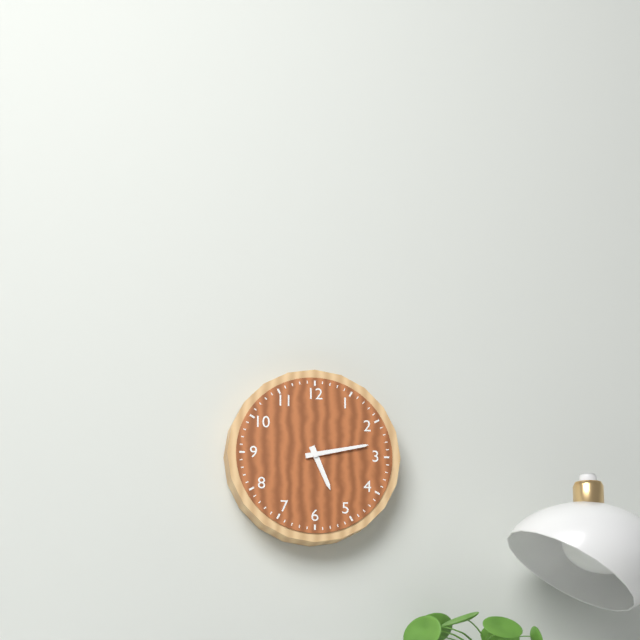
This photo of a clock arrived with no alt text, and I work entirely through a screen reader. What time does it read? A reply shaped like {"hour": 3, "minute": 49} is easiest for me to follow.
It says {"hour": 5, "minute": 13}
